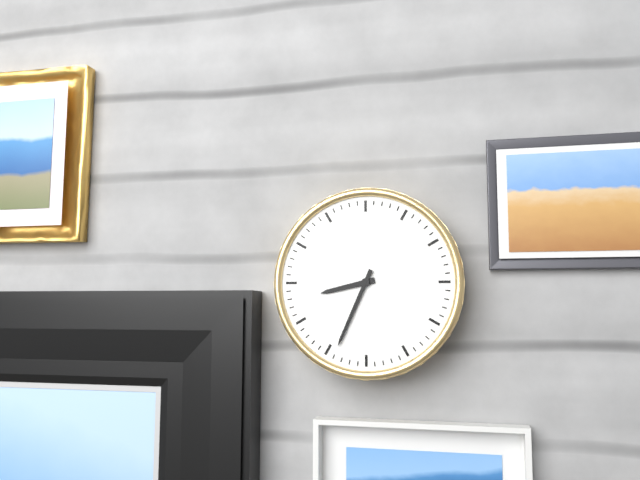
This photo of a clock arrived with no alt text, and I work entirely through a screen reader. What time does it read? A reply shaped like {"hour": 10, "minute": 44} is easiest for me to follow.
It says {"hour": 8, "minute": 34}
